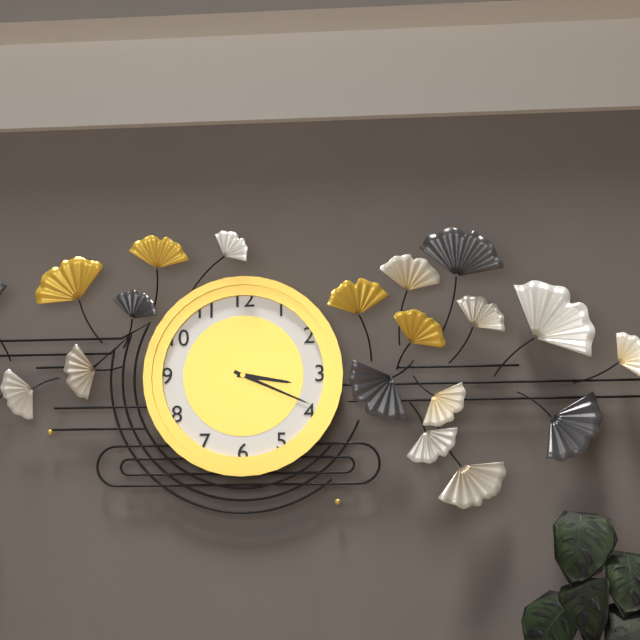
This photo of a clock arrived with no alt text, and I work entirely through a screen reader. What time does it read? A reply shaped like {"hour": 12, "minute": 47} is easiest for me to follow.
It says {"hour": 3, "minute": 19}
